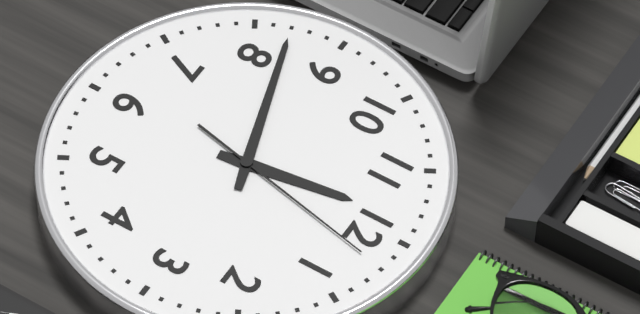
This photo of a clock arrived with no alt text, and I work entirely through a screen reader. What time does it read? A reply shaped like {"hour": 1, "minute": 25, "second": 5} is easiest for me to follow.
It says {"hour": 11, "minute": 42, "second": 2}
